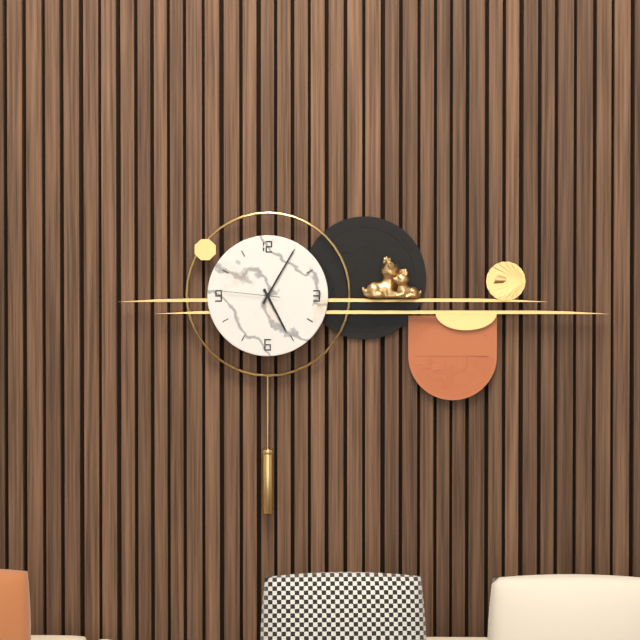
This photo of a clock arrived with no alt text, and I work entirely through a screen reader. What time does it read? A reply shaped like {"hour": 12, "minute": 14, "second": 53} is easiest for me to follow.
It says {"hour": 5, "minute": 5, "second": 46}
